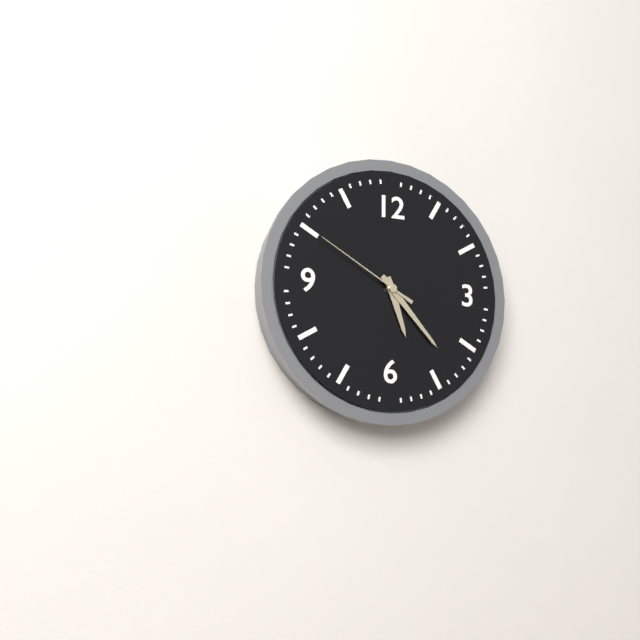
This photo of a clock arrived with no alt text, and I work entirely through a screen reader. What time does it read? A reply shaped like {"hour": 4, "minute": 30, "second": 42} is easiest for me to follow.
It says {"hour": 5, "minute": 23, "second": 50}
